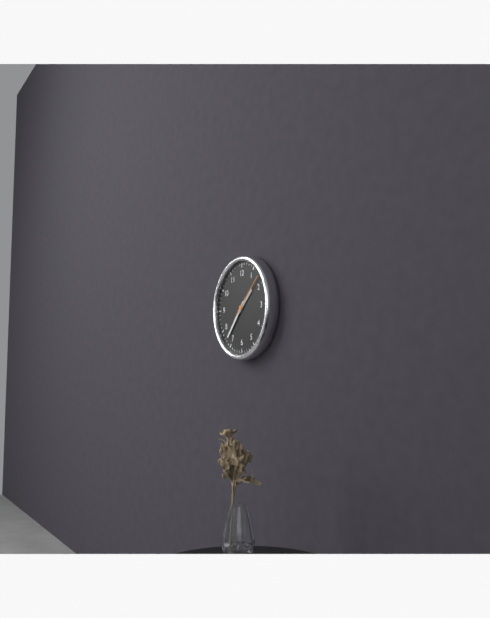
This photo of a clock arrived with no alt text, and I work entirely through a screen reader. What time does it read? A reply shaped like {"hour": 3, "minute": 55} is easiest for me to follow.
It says {"hour": 1, "minute": 37}
